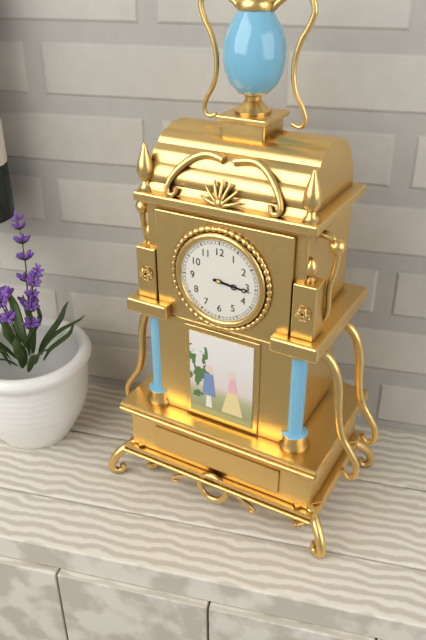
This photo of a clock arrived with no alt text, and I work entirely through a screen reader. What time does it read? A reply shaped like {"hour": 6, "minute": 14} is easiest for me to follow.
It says {"hour": 3, "minute": 16}
